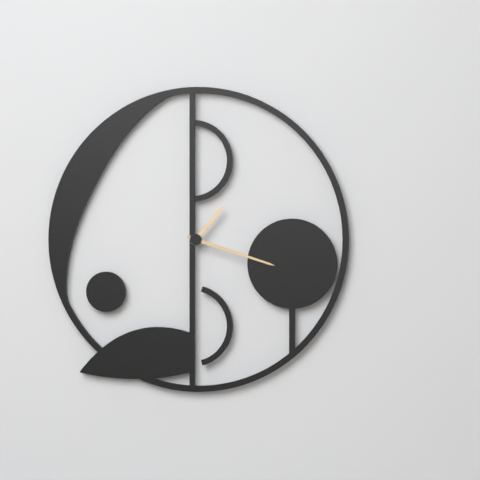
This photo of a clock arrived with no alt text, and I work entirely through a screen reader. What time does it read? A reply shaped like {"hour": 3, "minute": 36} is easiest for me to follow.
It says {"hour": 1, "minute": 18}
